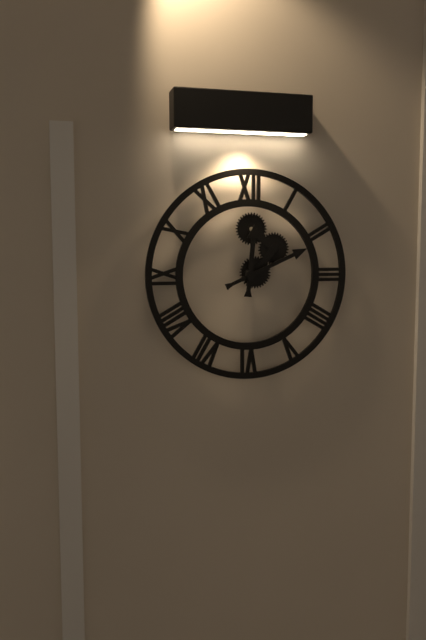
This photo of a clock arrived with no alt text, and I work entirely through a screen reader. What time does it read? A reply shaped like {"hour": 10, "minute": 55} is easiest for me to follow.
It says {"hour": 12, "minute": 11}
